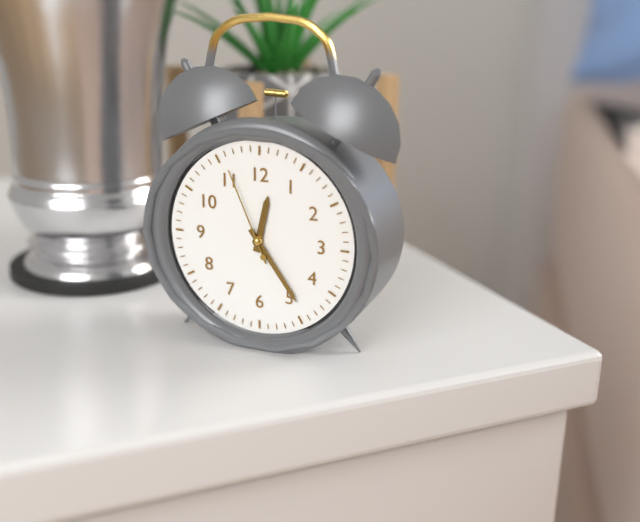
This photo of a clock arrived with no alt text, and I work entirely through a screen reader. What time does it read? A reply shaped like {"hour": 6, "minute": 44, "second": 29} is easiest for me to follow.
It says {"hour": 12, "minute": 24, "second": 56}
